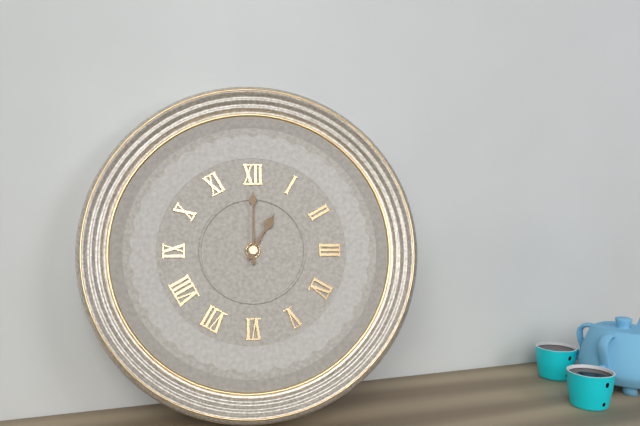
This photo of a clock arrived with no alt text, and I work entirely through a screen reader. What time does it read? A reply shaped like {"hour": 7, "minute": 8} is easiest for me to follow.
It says {"hour": 1, "minute": 0}
